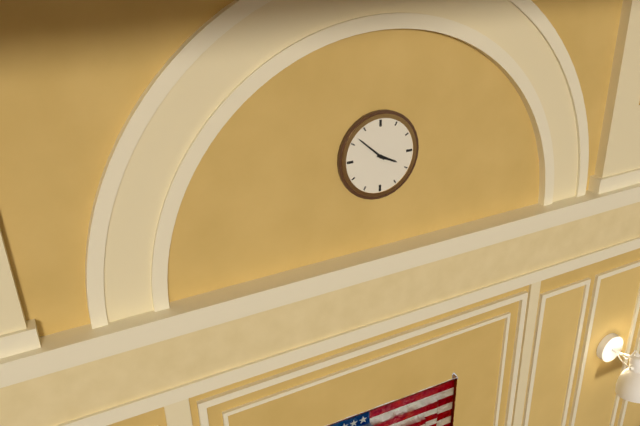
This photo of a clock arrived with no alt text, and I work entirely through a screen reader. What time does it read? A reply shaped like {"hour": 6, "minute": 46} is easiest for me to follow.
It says {"hour": 3, "minute": 52}
